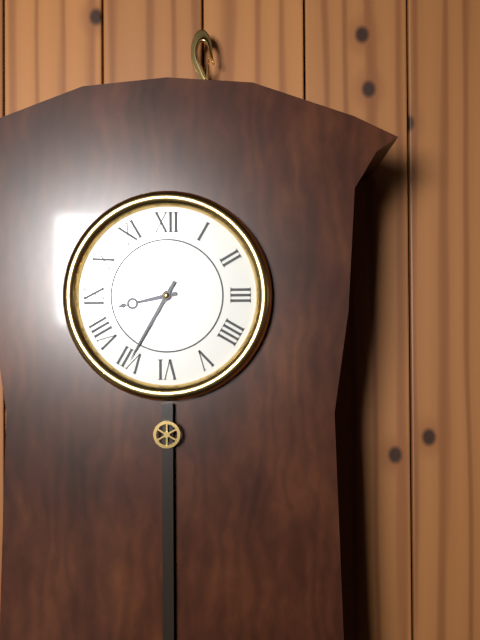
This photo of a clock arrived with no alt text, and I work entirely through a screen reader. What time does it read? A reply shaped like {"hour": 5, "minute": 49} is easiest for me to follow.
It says {"hour": 8, "minute": 35}
